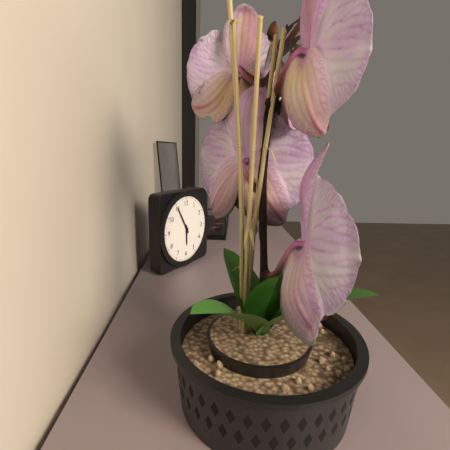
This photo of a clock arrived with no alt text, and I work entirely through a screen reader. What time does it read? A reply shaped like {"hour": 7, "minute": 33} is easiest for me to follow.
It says {"hour": 5, "minute": 55}
